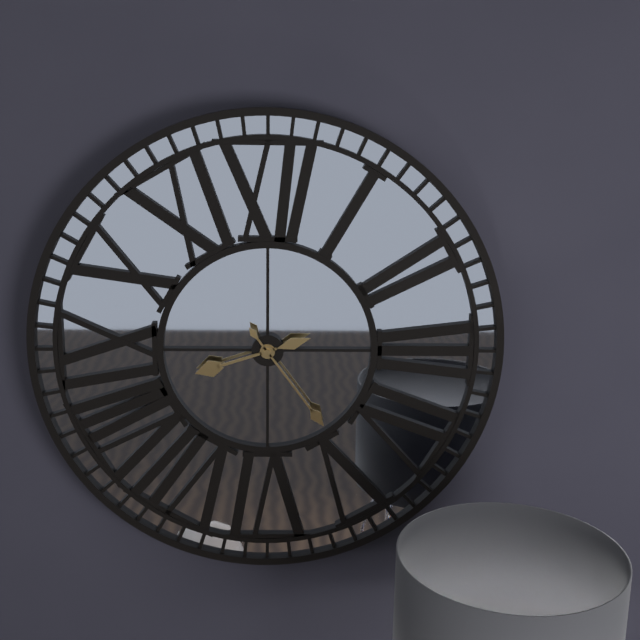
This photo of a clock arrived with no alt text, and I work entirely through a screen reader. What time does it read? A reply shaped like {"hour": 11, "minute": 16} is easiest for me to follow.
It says {"hour": 8, "minute": 24}
